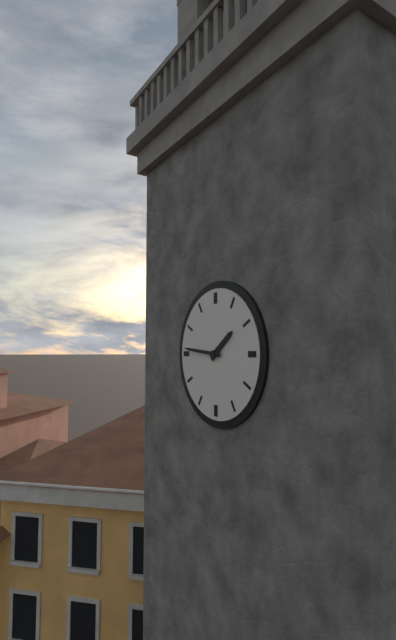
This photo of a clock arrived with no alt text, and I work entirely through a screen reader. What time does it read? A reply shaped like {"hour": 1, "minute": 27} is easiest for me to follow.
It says {"hour": 1, "minute": 46}
